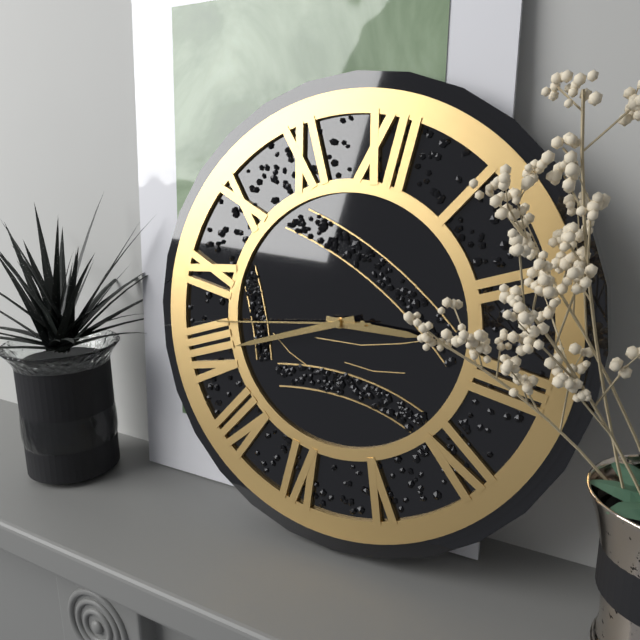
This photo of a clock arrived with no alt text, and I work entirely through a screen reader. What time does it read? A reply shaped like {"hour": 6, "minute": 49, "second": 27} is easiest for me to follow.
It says {"hour": 2, "minute": 40, "second": 42}
